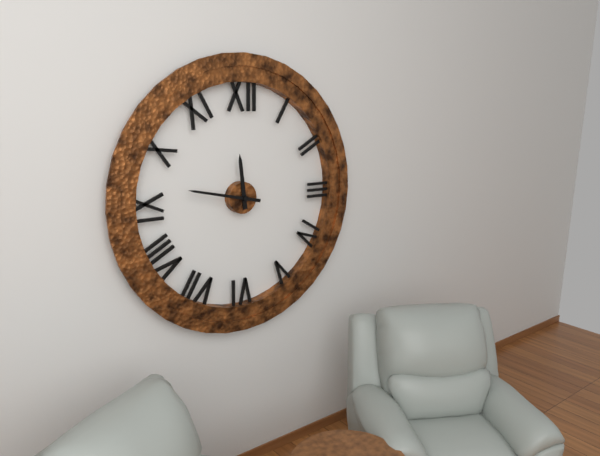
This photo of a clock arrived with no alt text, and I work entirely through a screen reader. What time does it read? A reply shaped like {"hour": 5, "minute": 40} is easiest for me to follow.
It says {"hour": 11, "minute": 47}
